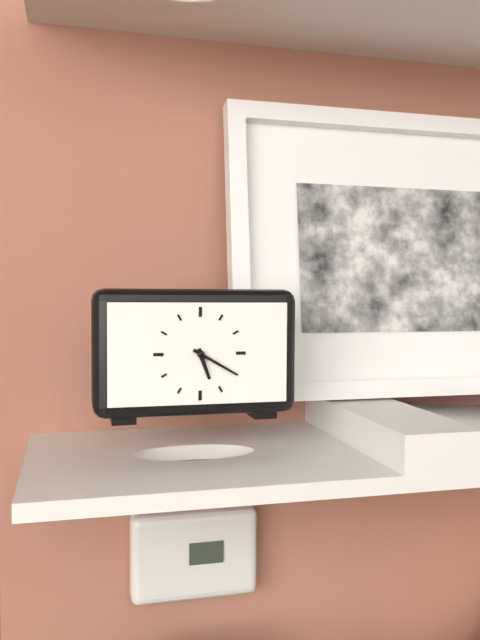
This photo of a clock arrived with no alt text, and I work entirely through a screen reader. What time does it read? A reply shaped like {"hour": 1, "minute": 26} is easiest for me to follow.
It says {"hour": 5, "minute": 20}
